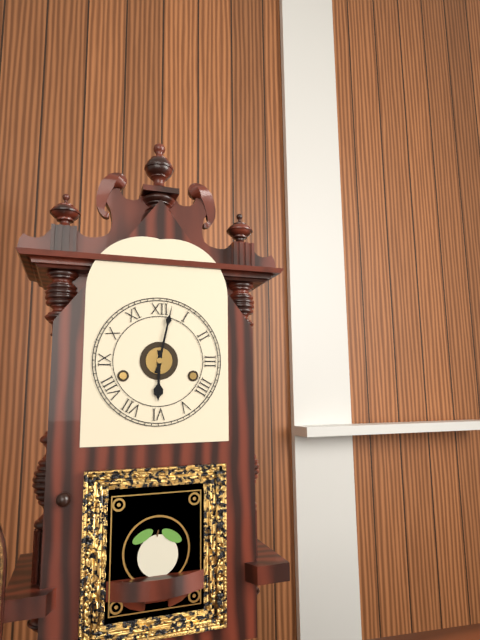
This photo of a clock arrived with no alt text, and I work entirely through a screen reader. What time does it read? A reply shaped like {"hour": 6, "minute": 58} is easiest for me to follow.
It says {"hour": 6, "minute": 2}
